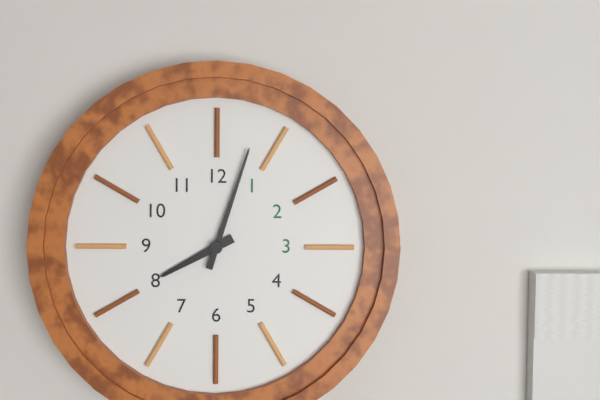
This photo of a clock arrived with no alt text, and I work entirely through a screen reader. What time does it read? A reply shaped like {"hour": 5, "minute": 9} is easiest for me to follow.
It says {"hour": 8, "minute": 3}
